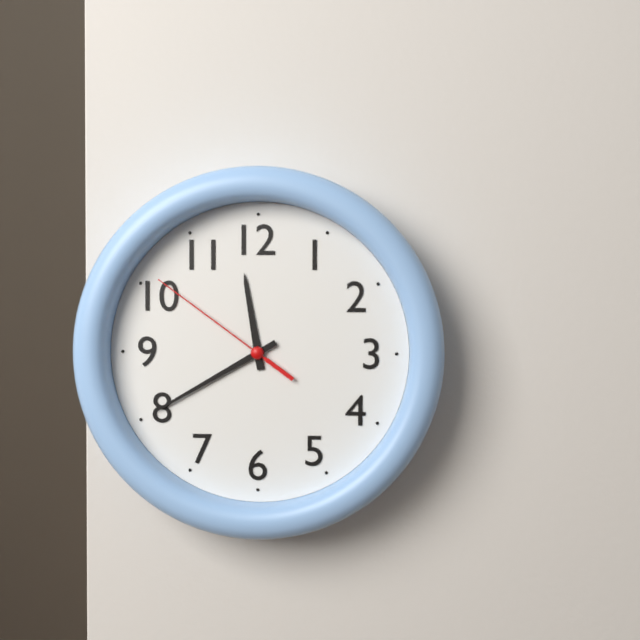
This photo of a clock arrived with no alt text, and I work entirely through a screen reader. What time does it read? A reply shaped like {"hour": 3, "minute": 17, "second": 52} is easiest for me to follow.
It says {"hour": 11, "minute": 40, "second": 51}
